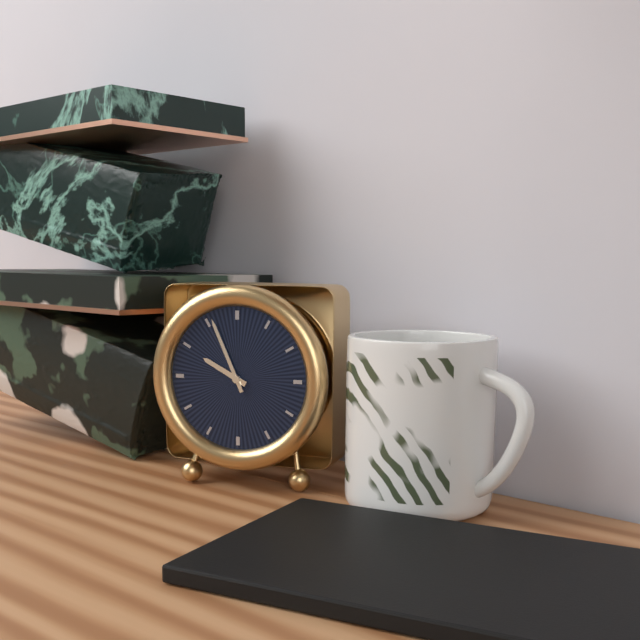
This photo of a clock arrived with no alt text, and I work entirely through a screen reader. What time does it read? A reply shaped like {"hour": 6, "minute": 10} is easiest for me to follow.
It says {"hour": 9, "minute": 56}
